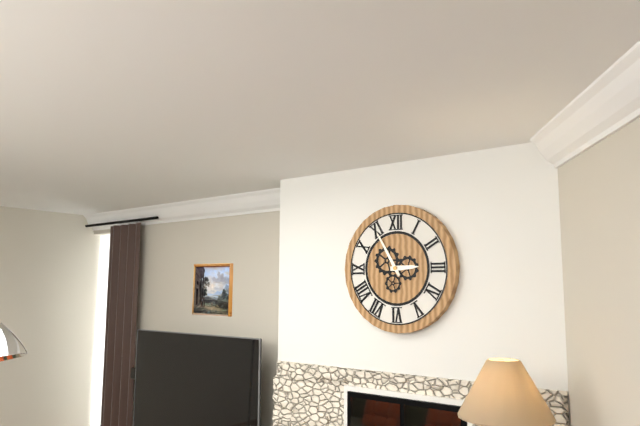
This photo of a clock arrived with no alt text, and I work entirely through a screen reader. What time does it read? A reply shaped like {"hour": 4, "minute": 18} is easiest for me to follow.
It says {"hour": 2, "minute": 55}
